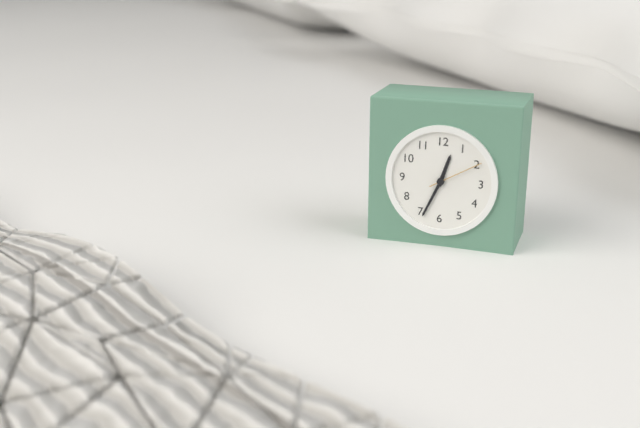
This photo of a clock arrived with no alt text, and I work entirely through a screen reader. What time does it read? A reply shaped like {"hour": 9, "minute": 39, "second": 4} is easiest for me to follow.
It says {"hour": 12, "minute": 34, "second": 10}
